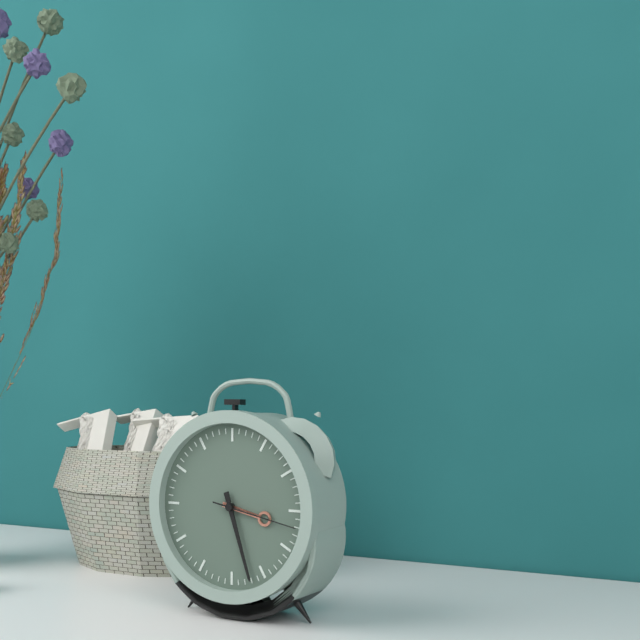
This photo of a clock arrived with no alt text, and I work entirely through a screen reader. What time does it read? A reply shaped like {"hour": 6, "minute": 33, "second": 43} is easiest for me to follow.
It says {"hour": 3, "minute": 27, "second": 17}
